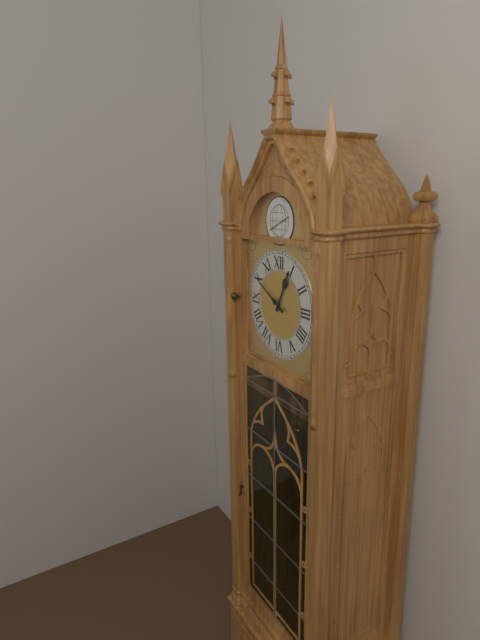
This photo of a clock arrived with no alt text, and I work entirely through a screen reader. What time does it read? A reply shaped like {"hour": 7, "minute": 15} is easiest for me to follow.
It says {"hour": 12, "minute": 50}
